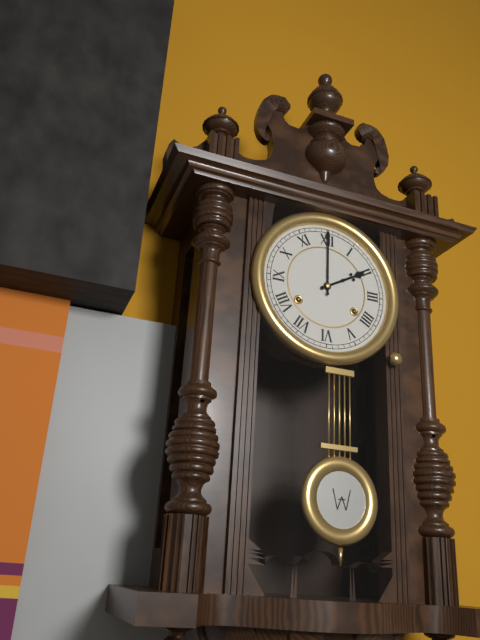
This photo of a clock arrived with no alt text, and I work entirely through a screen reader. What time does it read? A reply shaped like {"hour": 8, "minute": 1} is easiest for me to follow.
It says {"hour": 2, "minute": 0}
